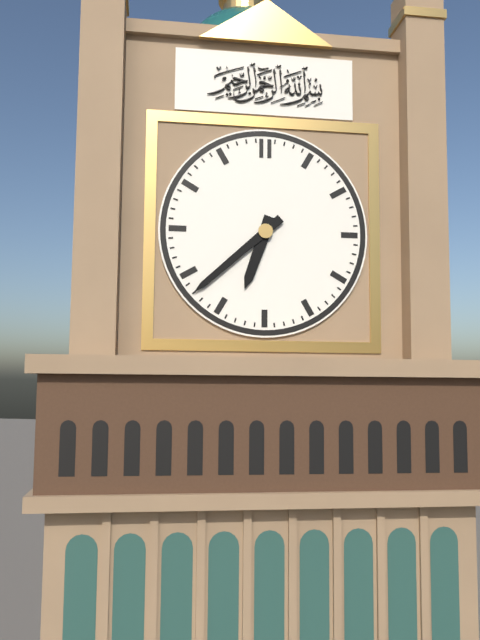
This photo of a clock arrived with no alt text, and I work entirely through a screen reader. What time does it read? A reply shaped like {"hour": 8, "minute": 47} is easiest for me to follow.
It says {"hour": 6, "minute": 38}
